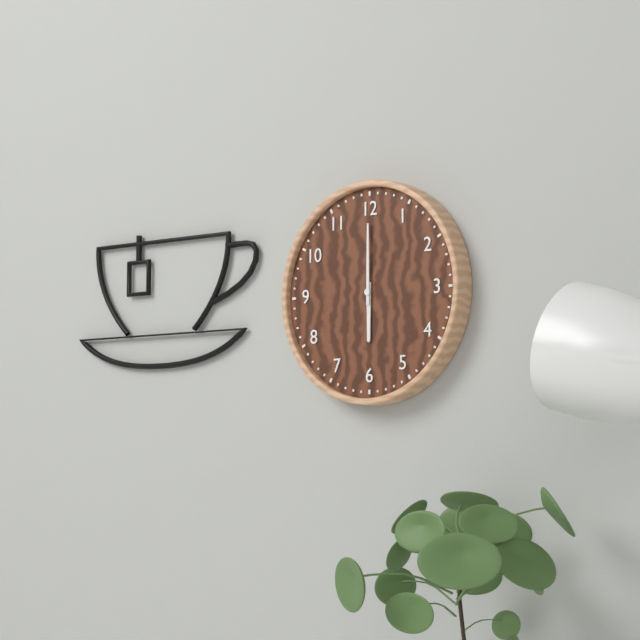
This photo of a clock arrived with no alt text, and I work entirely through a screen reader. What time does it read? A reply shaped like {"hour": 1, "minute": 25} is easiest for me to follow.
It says {"hour": 6, "minute": 0}
